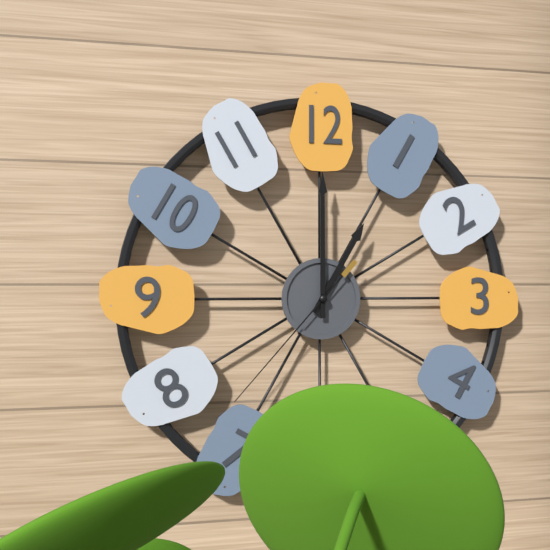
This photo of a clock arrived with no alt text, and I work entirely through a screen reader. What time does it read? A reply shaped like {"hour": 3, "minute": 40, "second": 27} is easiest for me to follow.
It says {"hour": 1, "minute": 0, "second": 37}
